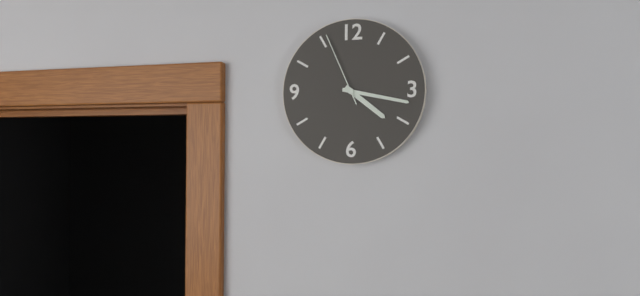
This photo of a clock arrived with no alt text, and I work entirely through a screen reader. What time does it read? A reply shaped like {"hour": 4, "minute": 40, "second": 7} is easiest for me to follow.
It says {"hour": 4, "minute": 17, "second": 56}
